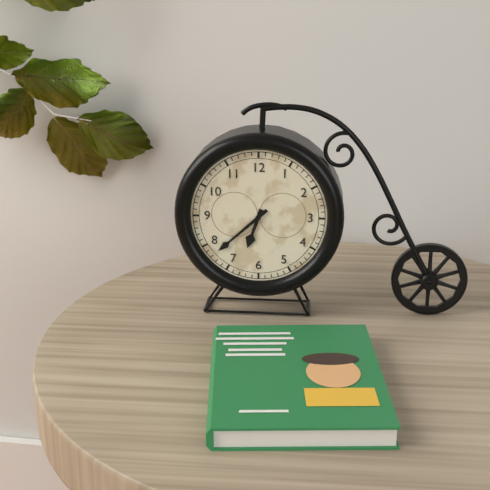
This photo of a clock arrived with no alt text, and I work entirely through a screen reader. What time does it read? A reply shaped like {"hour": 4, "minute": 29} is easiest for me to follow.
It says {"hour": 6, "minute": 38}
